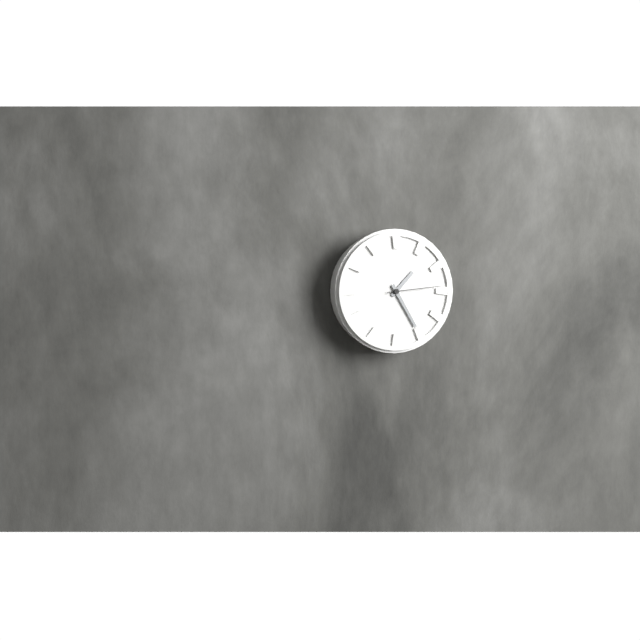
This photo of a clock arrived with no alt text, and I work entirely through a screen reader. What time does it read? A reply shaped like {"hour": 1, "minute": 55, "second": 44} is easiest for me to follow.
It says {"hour": 1, "minute": 25, "second": 14}
